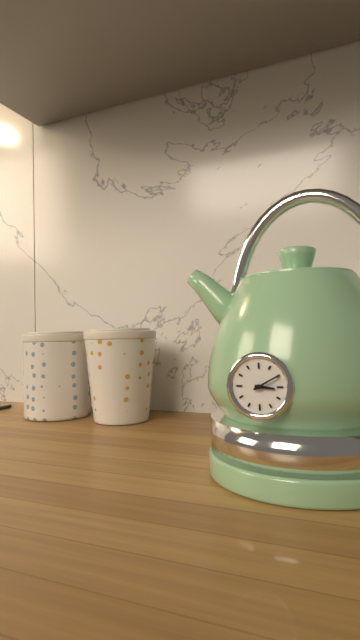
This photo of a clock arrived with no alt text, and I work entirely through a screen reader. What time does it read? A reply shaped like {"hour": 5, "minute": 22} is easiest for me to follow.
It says {"hour": 3, "minute": 10}
